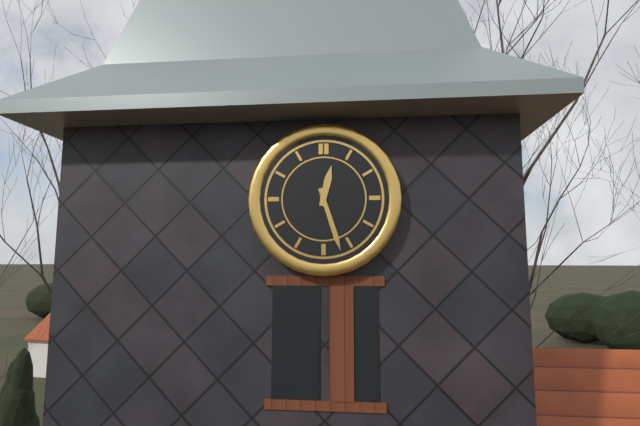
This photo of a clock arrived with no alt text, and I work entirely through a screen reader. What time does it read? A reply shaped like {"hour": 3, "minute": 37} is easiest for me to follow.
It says {"hour": 12, "minute": 27}
